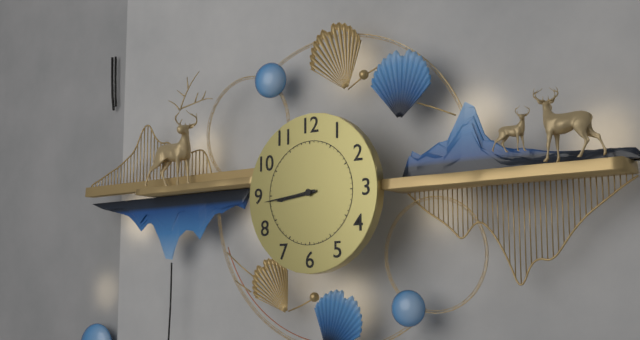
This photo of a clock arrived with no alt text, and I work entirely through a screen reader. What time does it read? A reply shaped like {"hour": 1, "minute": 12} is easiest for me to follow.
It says {"hour": 8, "minute": 44}
